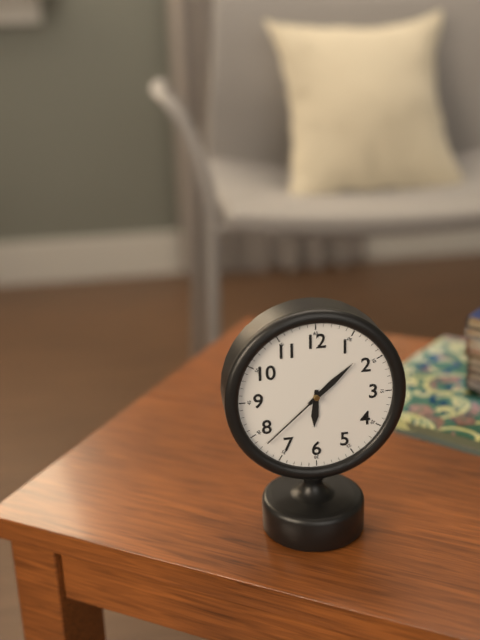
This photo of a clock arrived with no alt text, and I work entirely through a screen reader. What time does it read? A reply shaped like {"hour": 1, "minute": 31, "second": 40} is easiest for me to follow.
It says {"hour": 6, "minute": 8, "second": 38}
